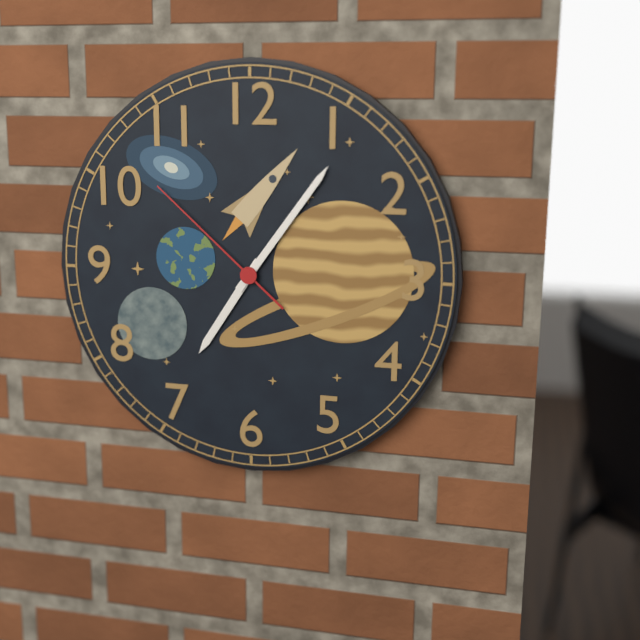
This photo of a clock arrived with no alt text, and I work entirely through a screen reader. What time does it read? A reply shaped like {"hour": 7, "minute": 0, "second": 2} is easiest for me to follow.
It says {"hour": 7, "minute": 6, "second": 52}
